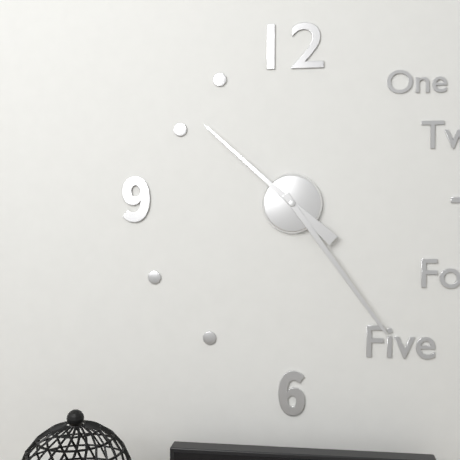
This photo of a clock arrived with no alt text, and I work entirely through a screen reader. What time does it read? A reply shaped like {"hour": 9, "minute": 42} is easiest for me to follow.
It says {"hour": 10, "minute": 24}
